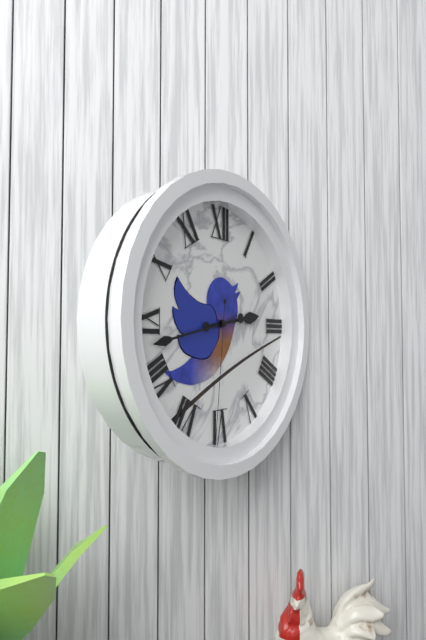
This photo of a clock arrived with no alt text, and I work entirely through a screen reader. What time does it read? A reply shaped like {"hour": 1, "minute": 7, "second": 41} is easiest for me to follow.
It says {"hour": 2, "minute": 43, "second": 31}
